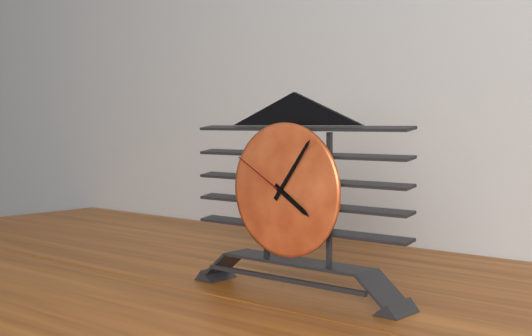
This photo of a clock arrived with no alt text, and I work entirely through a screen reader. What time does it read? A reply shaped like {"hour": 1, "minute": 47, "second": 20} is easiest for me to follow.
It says {"hour": 4, "minute": 6, "second": 50}
